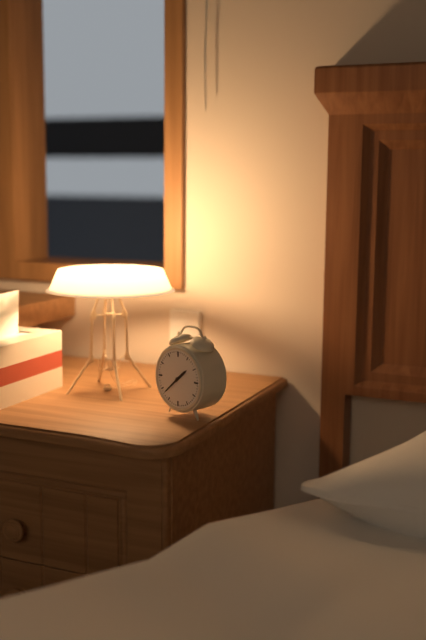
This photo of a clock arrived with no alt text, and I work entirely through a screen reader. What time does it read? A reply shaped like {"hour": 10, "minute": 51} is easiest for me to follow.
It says {"hour": 1, "minute": 38}
